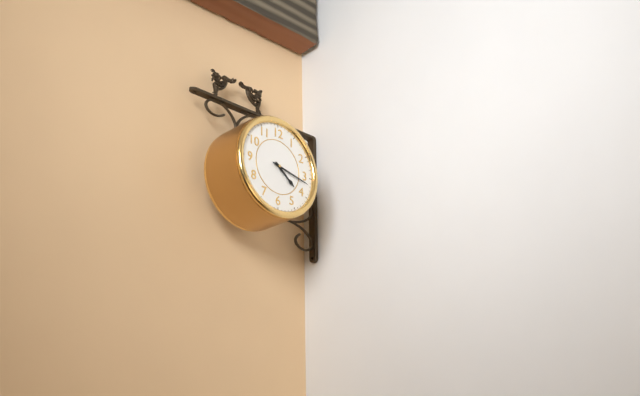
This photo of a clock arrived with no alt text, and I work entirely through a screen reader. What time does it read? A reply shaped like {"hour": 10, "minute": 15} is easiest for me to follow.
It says {"hour": 4, "minute": 17}
